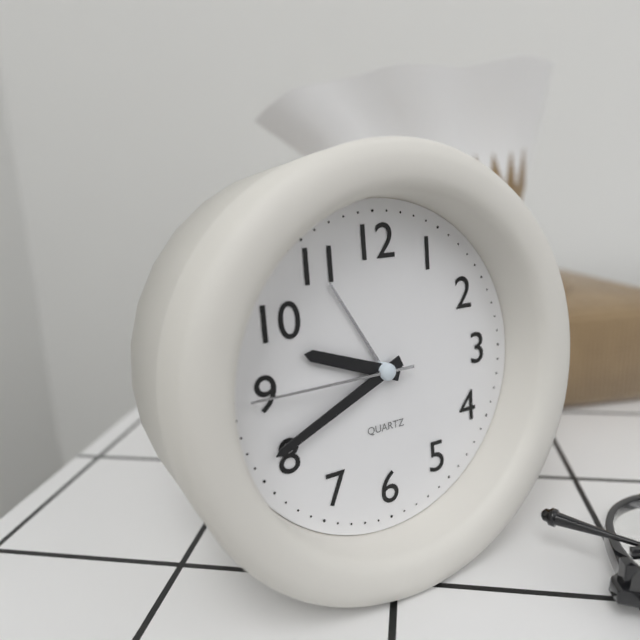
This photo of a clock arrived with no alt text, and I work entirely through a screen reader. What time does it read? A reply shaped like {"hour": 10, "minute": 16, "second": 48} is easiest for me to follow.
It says {"hour": 9, "minute": 41, "second": 45}
